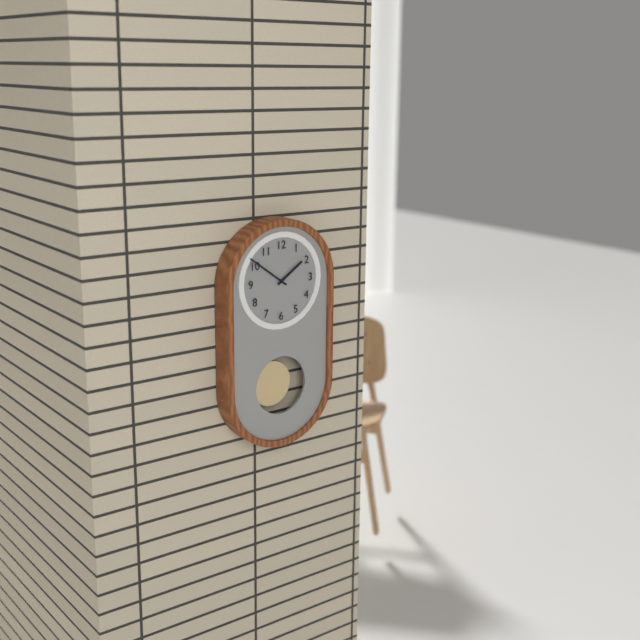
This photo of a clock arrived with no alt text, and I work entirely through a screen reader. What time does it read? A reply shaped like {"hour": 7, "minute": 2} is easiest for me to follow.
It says {"hour": 1, "minute": 51}
